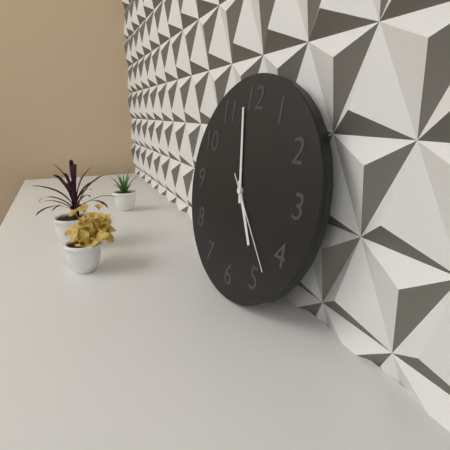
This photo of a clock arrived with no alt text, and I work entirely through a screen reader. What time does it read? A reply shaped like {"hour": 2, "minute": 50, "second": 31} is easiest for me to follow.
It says {"hour": 4, "minute": 58, "second": 23}
